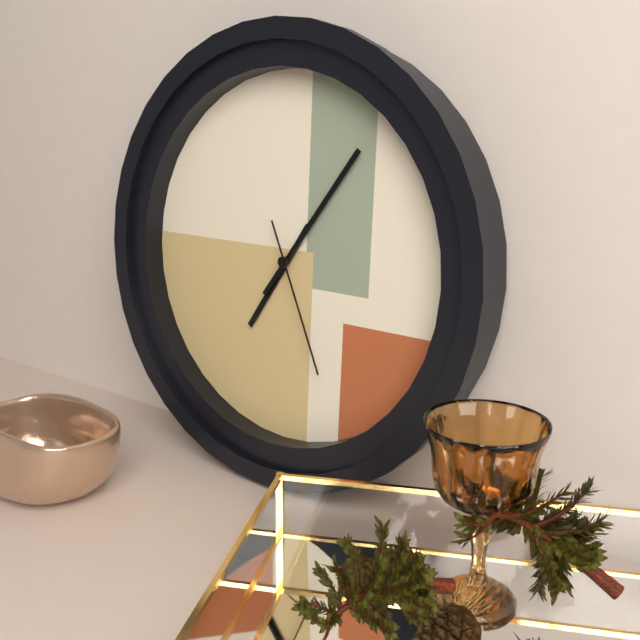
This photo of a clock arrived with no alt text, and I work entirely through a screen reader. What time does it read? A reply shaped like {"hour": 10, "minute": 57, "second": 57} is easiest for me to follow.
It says {"hour": 7, "minute": 6, "second": 26}
